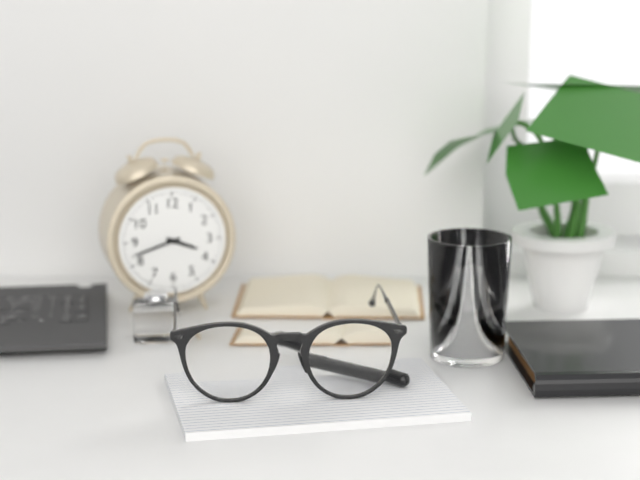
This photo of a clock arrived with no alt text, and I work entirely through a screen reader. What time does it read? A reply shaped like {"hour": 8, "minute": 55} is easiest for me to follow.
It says {"hour": 3, "minute": 42}
